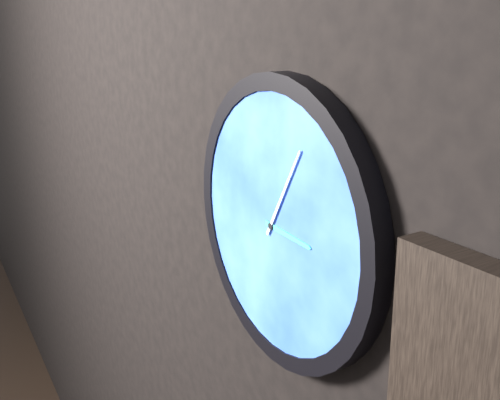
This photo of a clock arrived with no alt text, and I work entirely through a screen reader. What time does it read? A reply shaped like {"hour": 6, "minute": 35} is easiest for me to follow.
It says {"hour": 3, "minute": 5}
